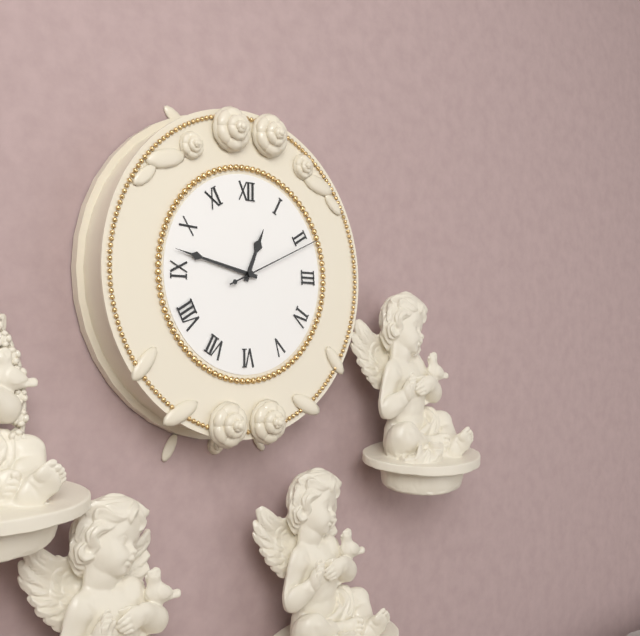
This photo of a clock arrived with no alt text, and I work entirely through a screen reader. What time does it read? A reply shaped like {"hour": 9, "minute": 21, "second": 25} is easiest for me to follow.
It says {"hour": 12, "minute": 47, "second": 11}
